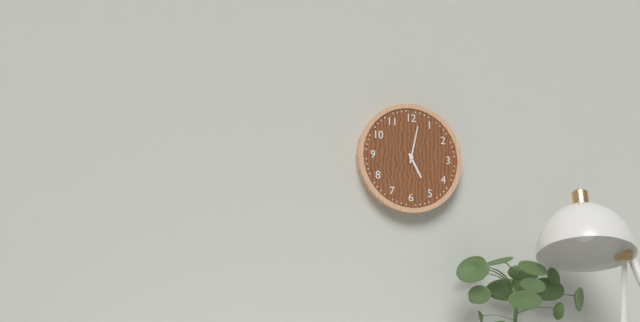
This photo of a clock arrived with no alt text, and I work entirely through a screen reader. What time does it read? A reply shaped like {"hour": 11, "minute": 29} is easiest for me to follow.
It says {"hour": 5, "minute": 2}
